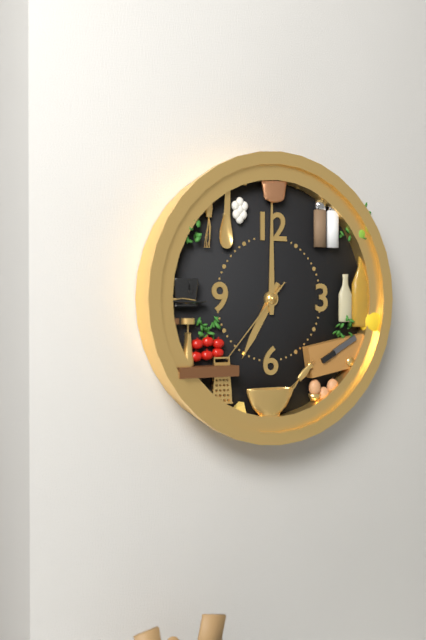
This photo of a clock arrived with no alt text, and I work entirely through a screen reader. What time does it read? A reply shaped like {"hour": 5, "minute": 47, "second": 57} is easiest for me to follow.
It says {"hour": 7, "minute": 0, "second": 37}
